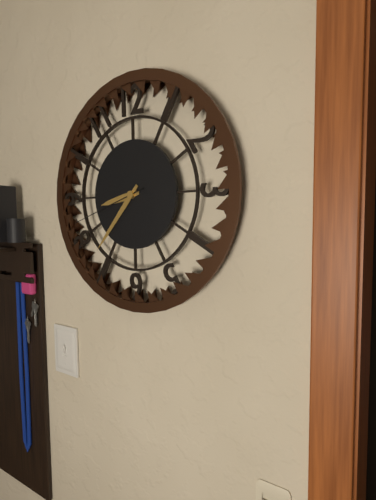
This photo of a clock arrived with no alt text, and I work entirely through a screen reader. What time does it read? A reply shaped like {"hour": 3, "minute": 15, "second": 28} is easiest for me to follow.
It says {"hour": 8, "minute": 37, "second": 42}
